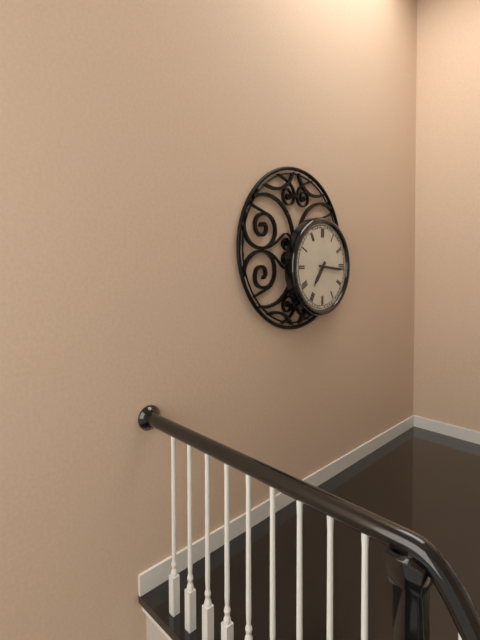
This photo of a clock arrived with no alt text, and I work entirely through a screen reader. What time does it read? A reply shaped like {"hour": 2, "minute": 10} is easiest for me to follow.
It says {"hour": 7, "minute": 16}
